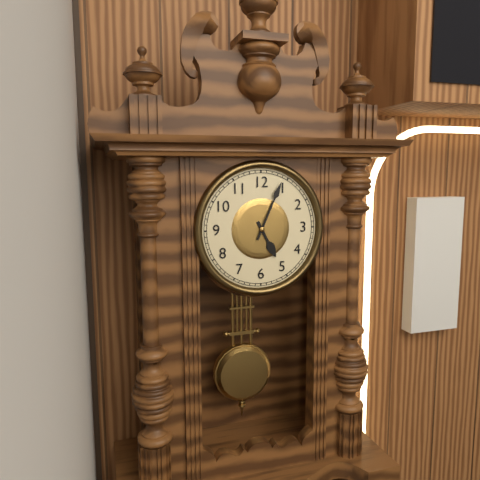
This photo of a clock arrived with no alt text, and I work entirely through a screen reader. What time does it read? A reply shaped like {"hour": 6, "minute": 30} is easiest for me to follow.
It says {"hour": 5, "minute": 4}
